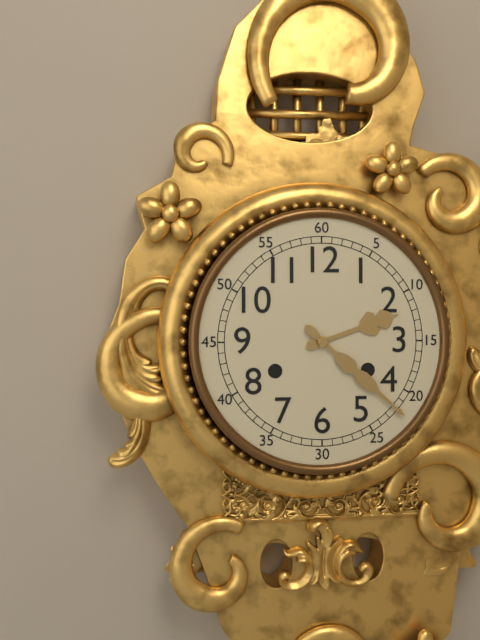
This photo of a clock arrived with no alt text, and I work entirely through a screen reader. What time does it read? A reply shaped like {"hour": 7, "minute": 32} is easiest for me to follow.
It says {"hour": 2, "minute": 22}
